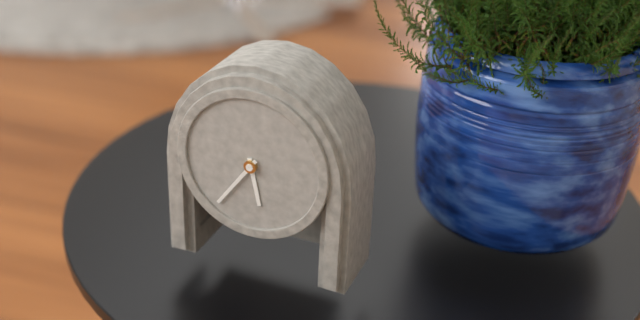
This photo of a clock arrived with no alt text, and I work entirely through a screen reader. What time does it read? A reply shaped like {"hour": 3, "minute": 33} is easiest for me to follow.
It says {"hour": 5, "minute": 36}
